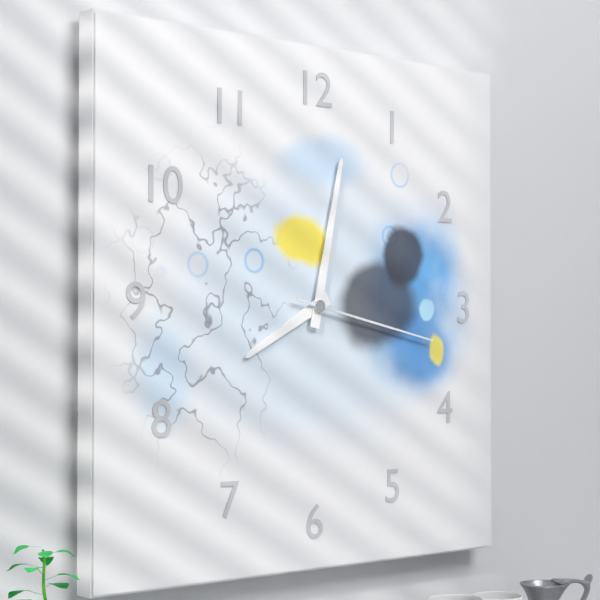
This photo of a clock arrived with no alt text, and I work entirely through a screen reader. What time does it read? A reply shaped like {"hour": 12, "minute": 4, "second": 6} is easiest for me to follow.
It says {"hour": 8, "minute": 2, "second": 17}
